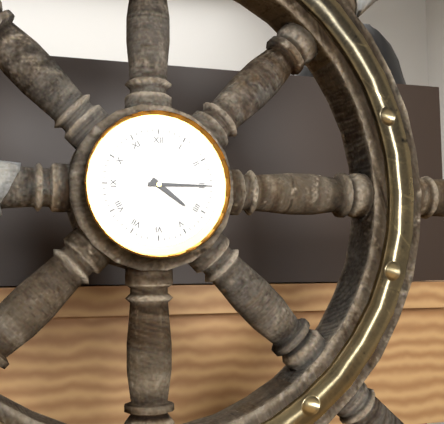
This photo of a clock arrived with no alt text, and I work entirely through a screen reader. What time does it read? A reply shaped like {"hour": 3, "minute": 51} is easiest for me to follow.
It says {"hour": 4, "minute": 15}
